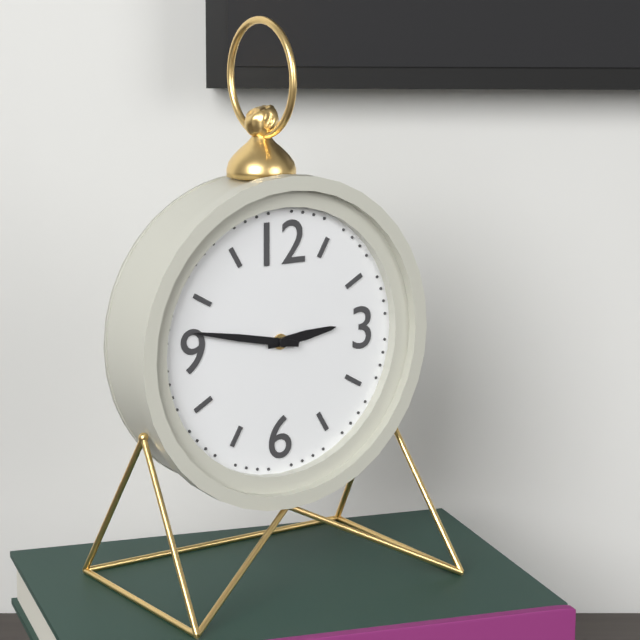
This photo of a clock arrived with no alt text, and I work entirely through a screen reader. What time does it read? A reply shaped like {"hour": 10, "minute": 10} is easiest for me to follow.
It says {"hour": 2, "minute": 47}
